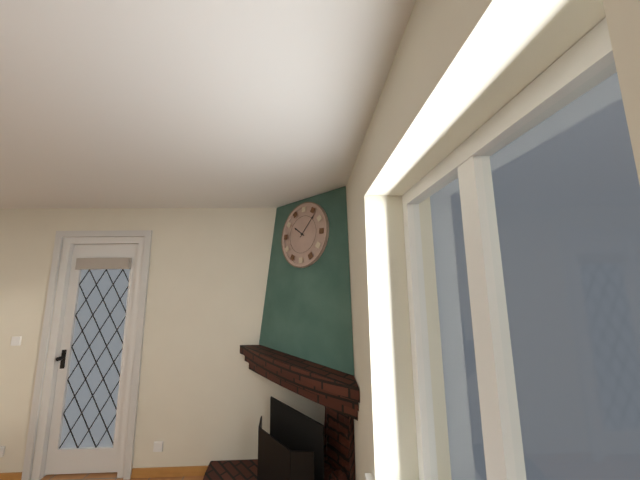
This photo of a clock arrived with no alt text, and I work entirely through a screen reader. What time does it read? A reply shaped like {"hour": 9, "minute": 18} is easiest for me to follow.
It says {"hour": 10, "minute": 7}
